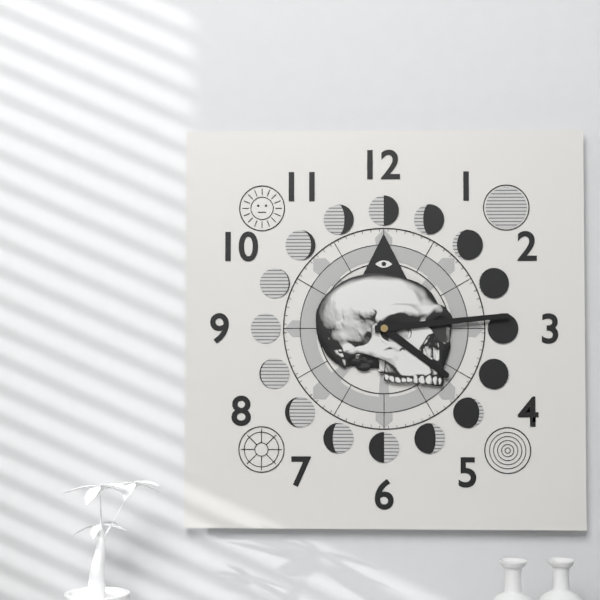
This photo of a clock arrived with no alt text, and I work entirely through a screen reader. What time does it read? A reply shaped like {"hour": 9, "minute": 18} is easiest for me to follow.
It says {"hour": 4, "minute": 14}
